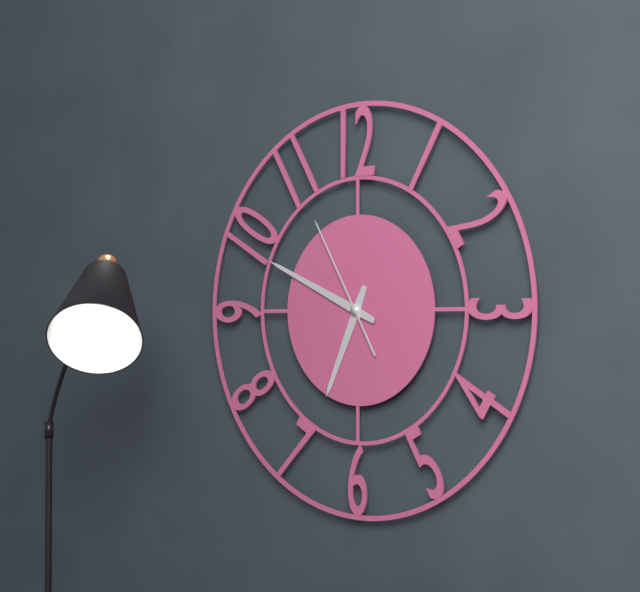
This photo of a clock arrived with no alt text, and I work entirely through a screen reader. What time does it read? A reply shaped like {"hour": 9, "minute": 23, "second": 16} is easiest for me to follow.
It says {"hour": 6, "minute": 49, "second": 55}
